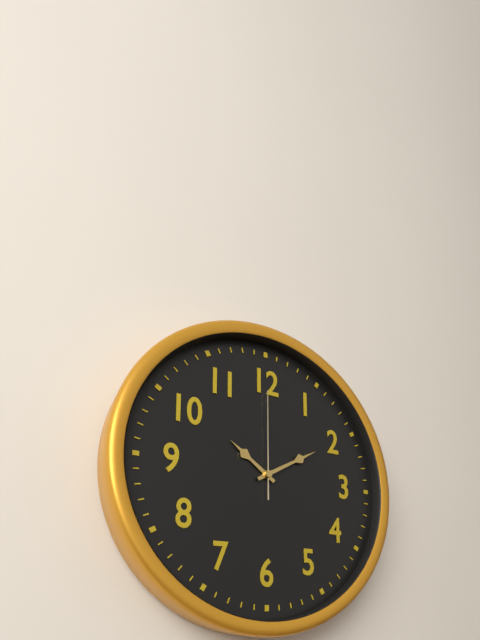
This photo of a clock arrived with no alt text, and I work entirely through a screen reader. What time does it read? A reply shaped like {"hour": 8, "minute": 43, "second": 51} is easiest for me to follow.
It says {"hour": 10, "minute": 10, "second": 0}
